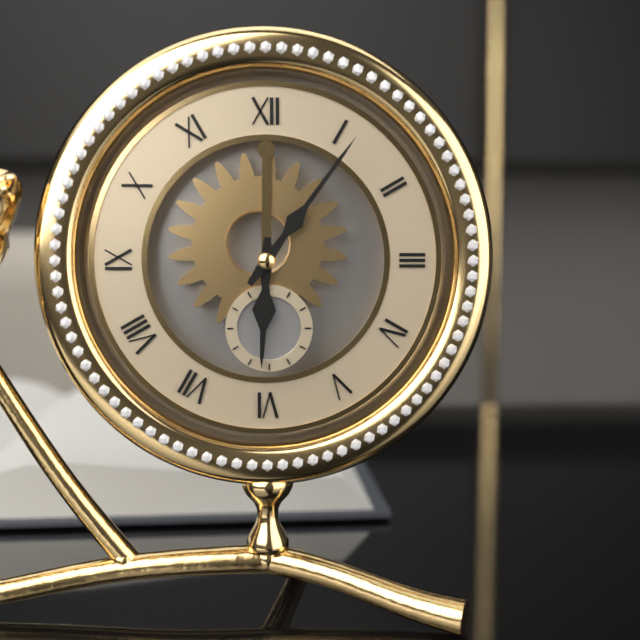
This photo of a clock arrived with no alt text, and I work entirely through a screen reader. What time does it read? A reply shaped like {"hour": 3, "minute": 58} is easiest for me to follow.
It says {"hour": 6, "minute": 6}
